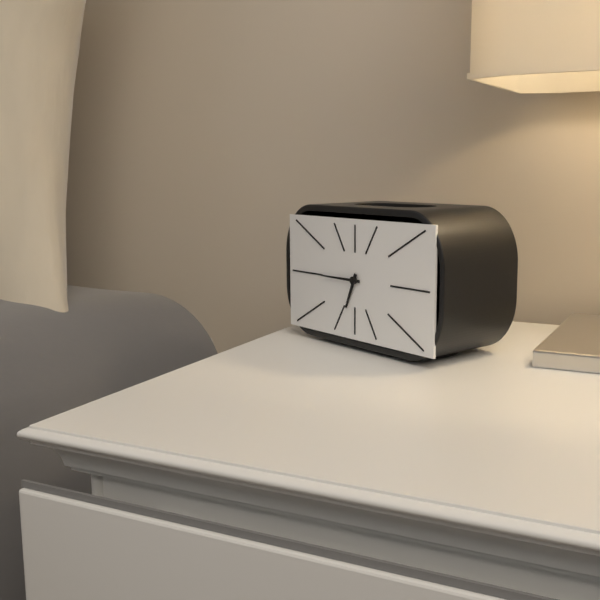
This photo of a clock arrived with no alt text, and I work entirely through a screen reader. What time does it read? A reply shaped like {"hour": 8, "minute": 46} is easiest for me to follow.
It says {"hour": 6, "minute": 45}
